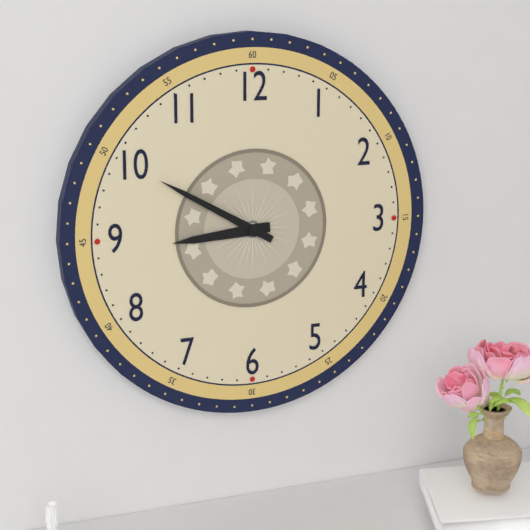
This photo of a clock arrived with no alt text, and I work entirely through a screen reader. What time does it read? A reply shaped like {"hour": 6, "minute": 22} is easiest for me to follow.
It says {"hour": 8, "minute": 50}
